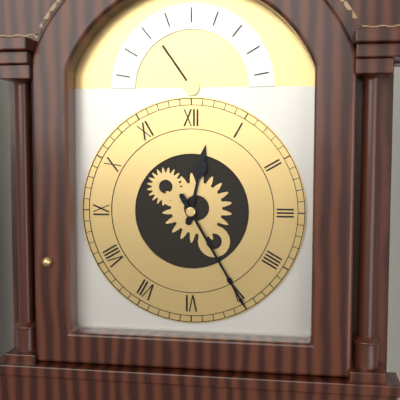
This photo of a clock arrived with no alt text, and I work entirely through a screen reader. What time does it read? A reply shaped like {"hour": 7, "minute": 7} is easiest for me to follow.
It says {"hour": 12, "minute": 25}
